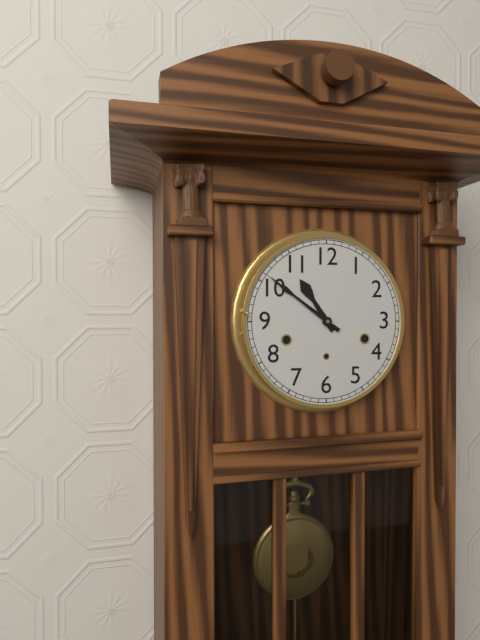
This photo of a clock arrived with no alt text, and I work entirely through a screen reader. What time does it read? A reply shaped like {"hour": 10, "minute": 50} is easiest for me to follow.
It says {"hour": 10, "minute": 51}
